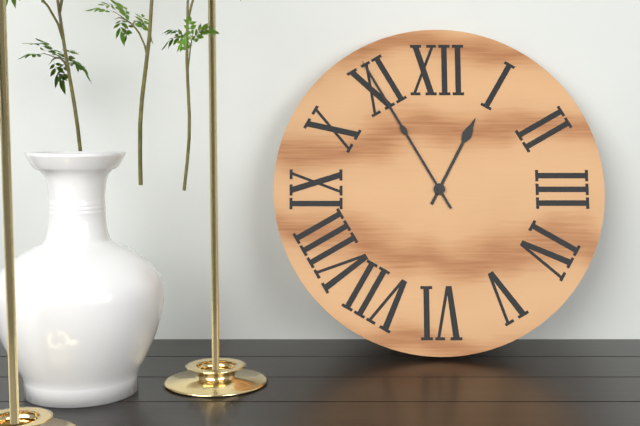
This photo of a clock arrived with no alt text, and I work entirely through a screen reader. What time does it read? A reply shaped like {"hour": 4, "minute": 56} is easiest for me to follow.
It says {"hour": 12, "minute": 55}
